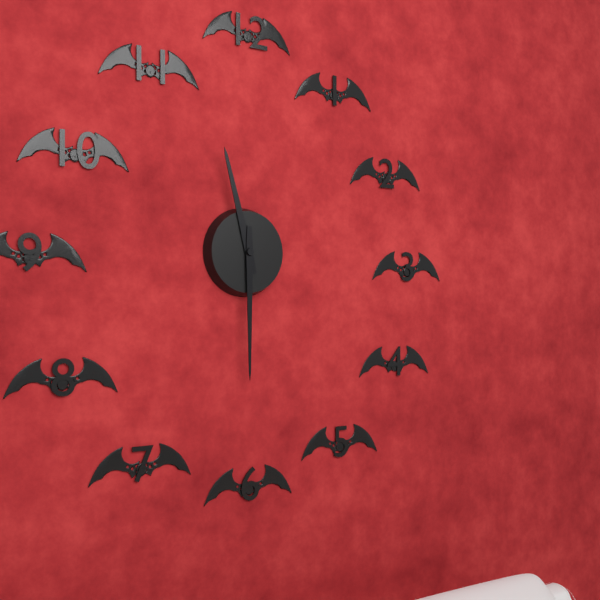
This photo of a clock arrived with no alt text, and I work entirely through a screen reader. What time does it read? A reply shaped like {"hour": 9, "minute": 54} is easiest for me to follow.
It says {"hour": 11, "minute": 30}
